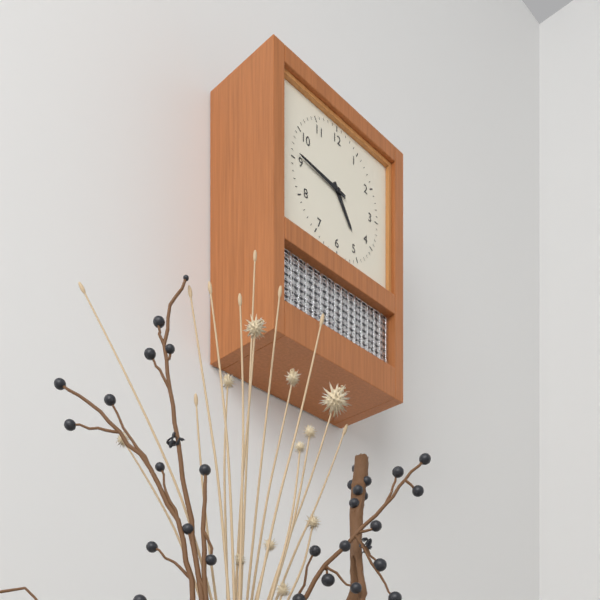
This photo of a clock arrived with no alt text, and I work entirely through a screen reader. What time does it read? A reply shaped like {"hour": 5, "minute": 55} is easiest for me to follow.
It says {"hour": 4, "minute": 46}
